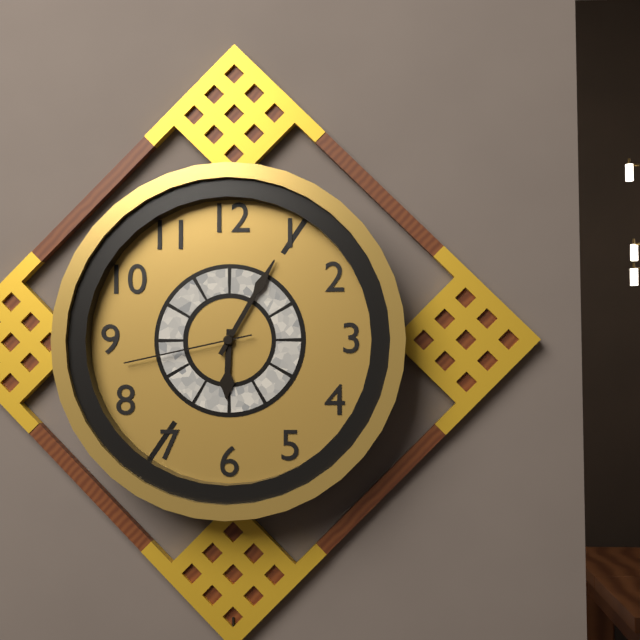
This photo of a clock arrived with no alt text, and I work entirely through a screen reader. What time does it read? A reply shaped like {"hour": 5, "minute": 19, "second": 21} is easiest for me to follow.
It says {"hour": 6, "minute": 5, "second": 43}
